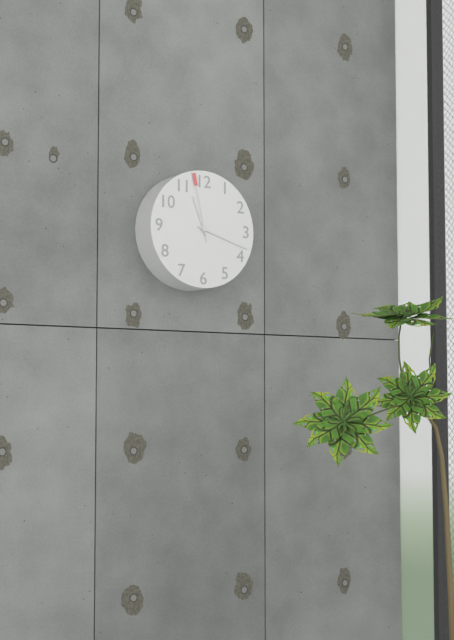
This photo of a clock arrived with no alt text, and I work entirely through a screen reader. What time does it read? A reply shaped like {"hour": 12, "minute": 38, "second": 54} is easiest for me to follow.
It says {"hour": 11, "minute": 18, "second": 58}
